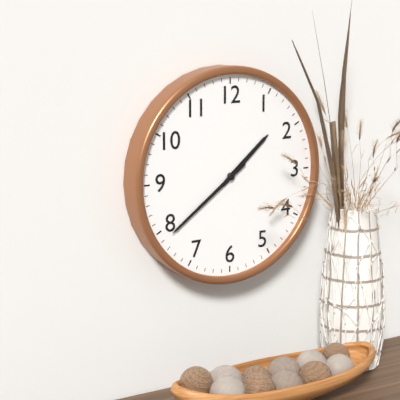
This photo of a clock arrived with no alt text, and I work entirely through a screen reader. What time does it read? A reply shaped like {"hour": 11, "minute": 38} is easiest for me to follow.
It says {"hour": 1, "minute": 39}
